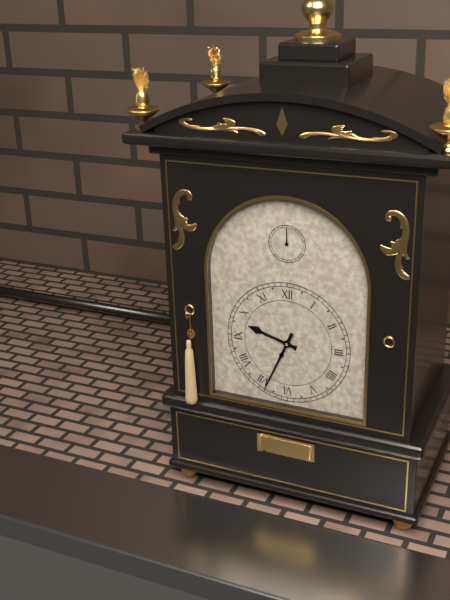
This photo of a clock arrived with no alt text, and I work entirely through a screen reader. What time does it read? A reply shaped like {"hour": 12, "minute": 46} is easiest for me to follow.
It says {"hour": 9, "minute": 34}
